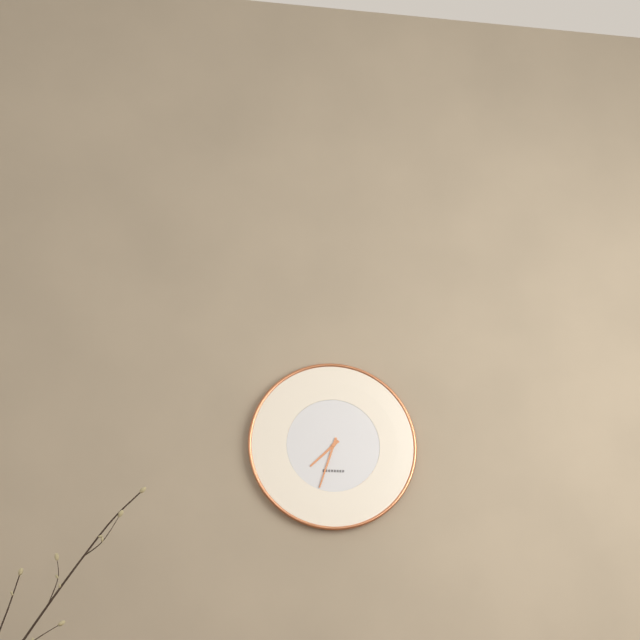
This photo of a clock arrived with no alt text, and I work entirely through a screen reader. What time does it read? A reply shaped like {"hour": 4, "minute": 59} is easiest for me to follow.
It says {"hour": 7, "minute": 33}
